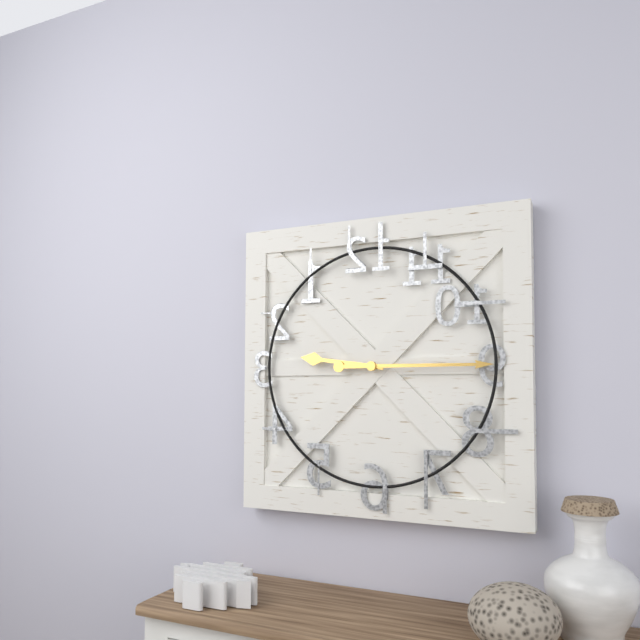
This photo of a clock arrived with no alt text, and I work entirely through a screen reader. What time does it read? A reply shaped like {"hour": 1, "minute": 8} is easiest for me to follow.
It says {"hour": 9, "minute": 15}
